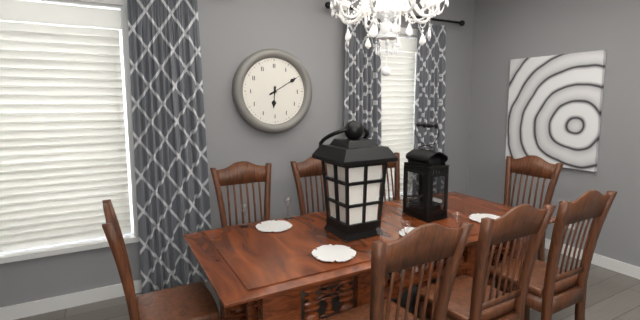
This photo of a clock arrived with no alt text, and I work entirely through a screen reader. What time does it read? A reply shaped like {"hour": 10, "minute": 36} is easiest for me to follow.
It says {"hour": 6, "minute": 10}
